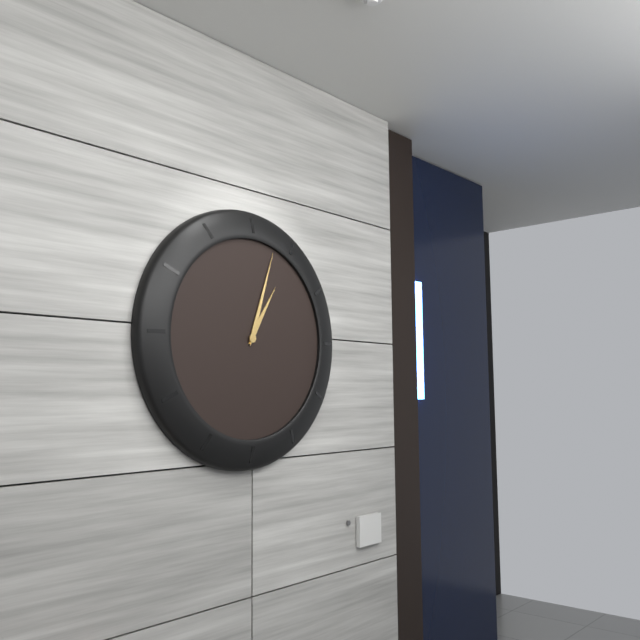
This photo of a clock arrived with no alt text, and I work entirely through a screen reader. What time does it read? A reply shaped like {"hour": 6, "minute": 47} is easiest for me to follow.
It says {"hour": 1, "minute": 3}
